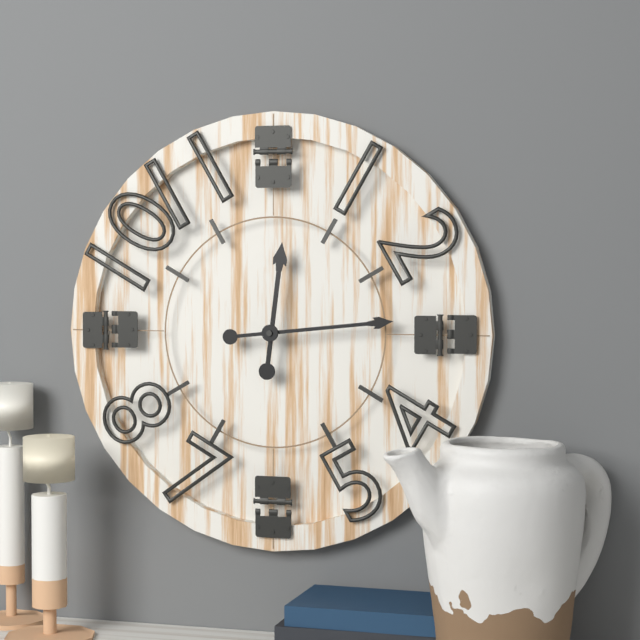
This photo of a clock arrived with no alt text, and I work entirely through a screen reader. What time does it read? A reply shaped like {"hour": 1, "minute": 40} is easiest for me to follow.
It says {"hour": 12, "minute": 14}
